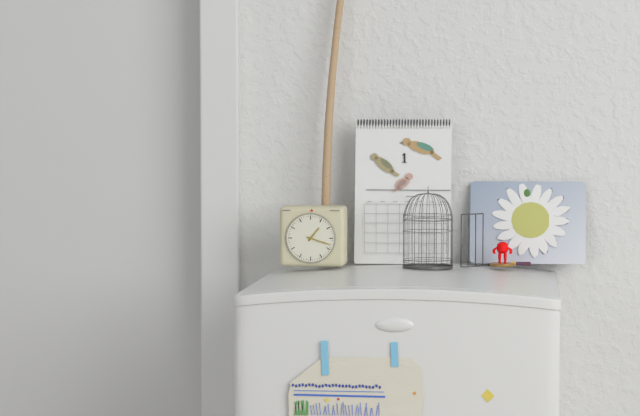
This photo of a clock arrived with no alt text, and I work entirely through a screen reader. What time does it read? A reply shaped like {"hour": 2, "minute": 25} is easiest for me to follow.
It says {"hour": 1, "minute": 18}
